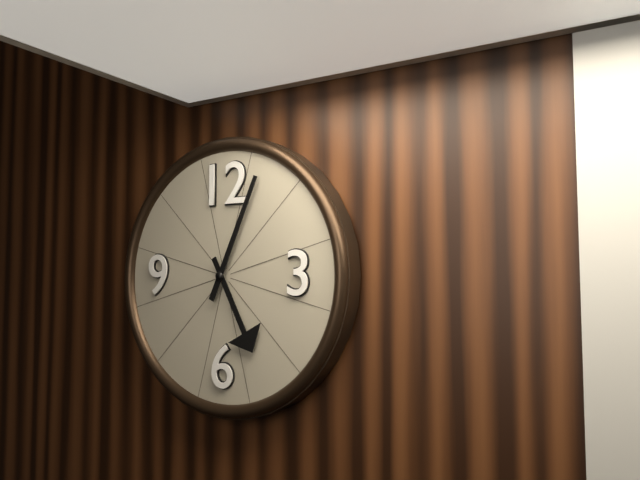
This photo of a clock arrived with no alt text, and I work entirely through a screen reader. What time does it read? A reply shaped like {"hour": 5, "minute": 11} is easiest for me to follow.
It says {"hour": 5, "minute": 4}
